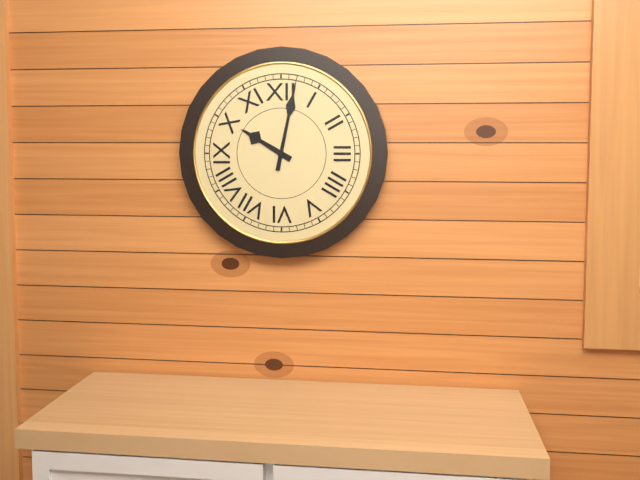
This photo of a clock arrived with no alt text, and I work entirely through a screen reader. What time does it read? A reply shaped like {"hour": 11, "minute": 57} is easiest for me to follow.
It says {"hour": 10, "minute": 2}
